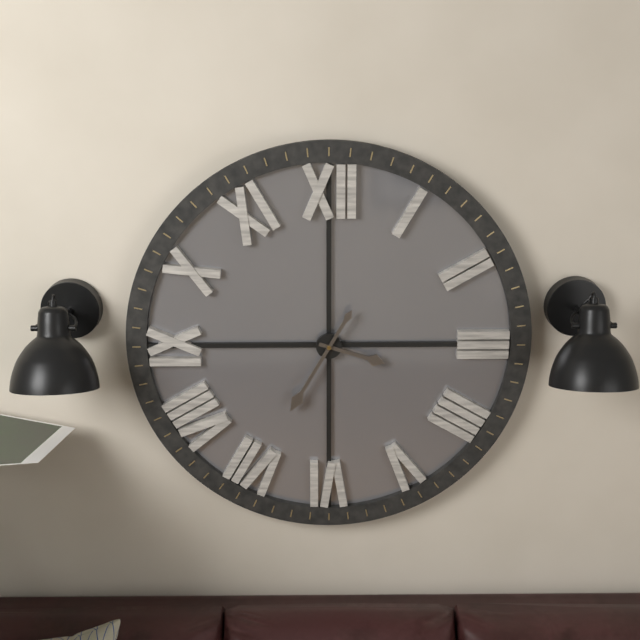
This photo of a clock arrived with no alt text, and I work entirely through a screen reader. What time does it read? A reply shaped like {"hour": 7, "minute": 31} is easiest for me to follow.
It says {"hour": 3, "minute": 35}
